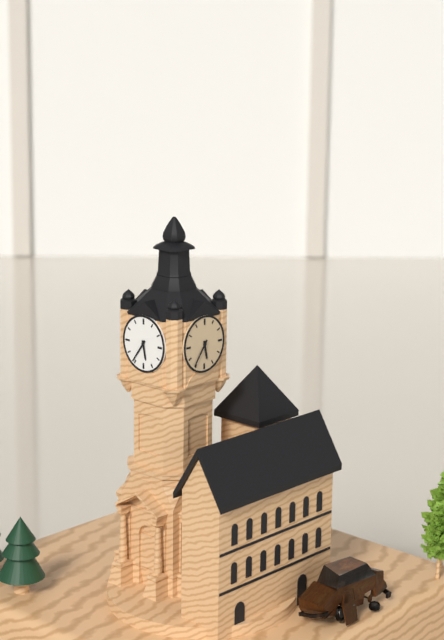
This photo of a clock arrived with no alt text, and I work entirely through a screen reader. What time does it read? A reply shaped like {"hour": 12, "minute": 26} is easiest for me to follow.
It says {"hour": 5, "minute": 36}
